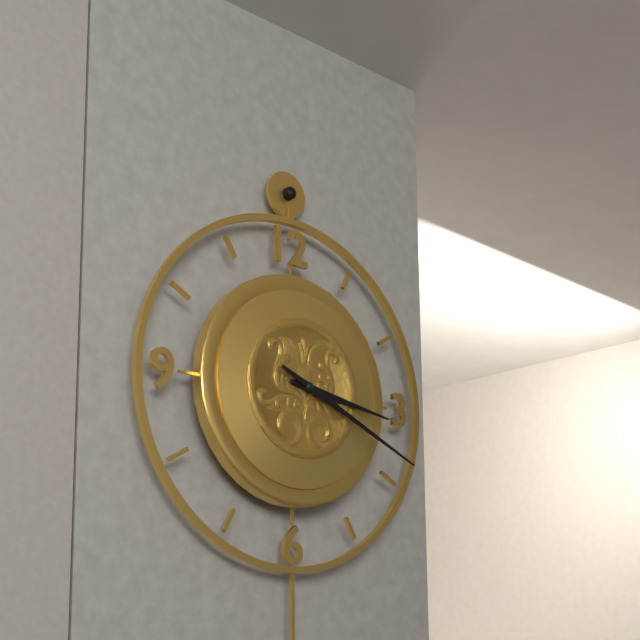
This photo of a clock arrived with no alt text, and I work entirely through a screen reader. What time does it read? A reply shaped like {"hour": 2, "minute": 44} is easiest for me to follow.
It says {"hour": 3, "minute": 19}
